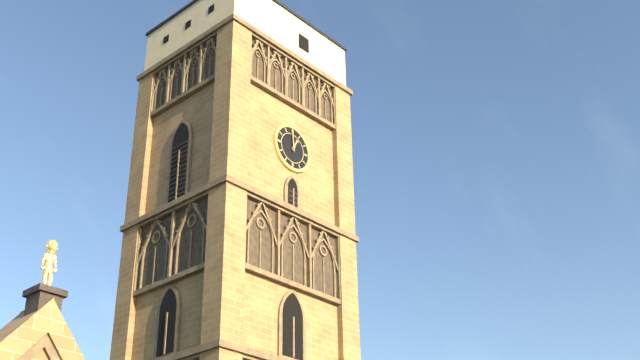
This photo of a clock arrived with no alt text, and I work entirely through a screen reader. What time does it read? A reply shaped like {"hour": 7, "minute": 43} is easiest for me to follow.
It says {"hour": 12, "minute": 59}
